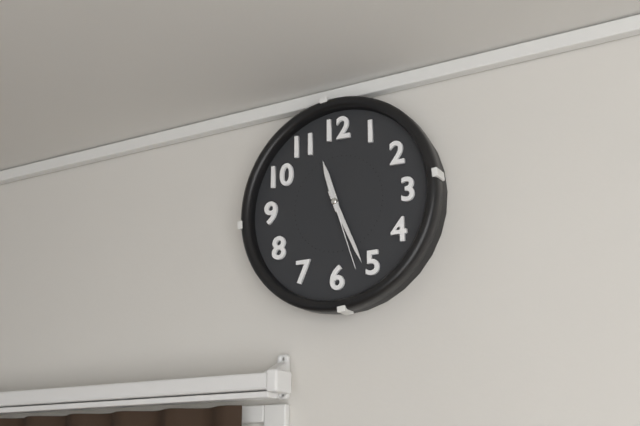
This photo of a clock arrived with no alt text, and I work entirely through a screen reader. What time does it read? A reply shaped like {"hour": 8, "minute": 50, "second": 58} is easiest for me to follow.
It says {"hour": 11, "minute": 26, "second": 27}
